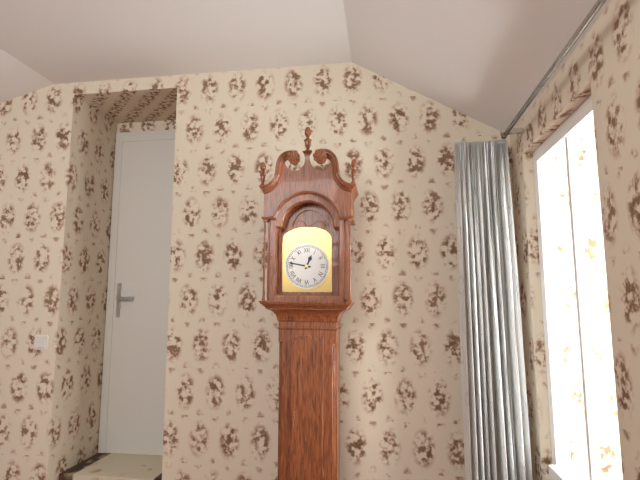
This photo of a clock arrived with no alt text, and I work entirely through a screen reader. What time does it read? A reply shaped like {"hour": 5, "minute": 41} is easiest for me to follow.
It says {"hour": 12, "minute": 47}
